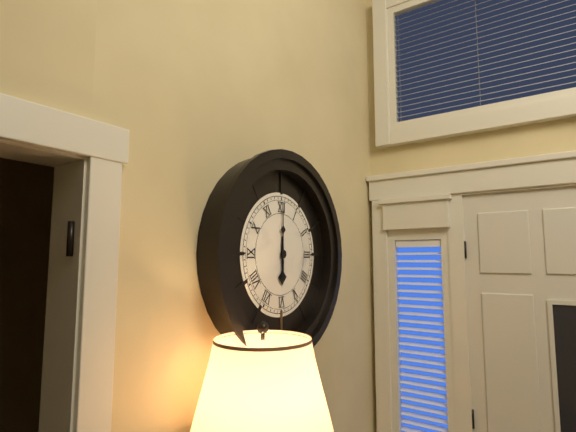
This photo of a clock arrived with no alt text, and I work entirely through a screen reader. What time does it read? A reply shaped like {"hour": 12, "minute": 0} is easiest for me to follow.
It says {"hour": 6, "minute": 0}
